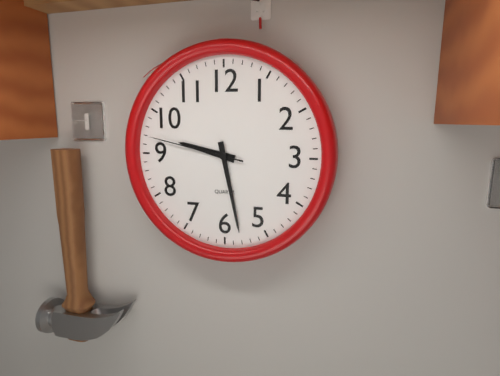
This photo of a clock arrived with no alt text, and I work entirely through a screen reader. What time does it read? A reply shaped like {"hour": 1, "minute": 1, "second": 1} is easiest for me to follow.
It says {"hour": 9, "minute": 28, "second": 47}
